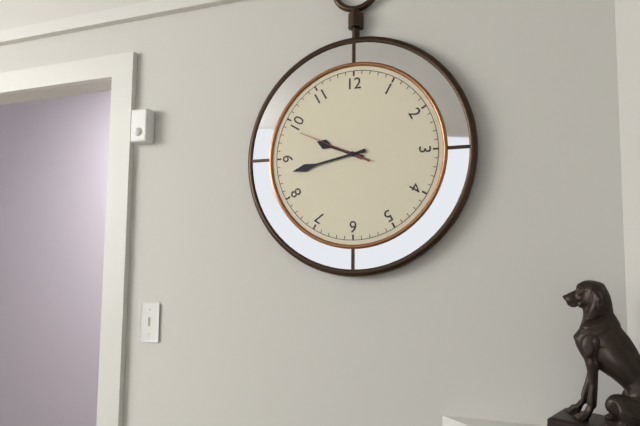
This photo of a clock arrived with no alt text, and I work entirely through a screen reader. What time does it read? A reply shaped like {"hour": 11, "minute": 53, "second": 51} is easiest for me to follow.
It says {"hour": 9, "minute": 43, "second": 49}
